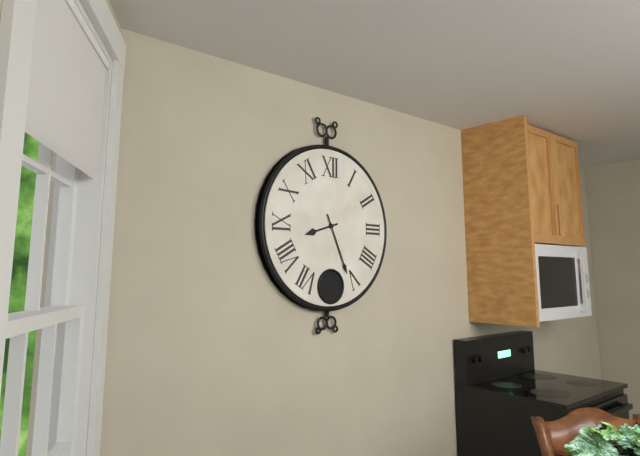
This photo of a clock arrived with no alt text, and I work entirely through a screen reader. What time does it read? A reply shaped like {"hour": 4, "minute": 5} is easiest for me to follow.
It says {"hour": 8, "minute": 26}
